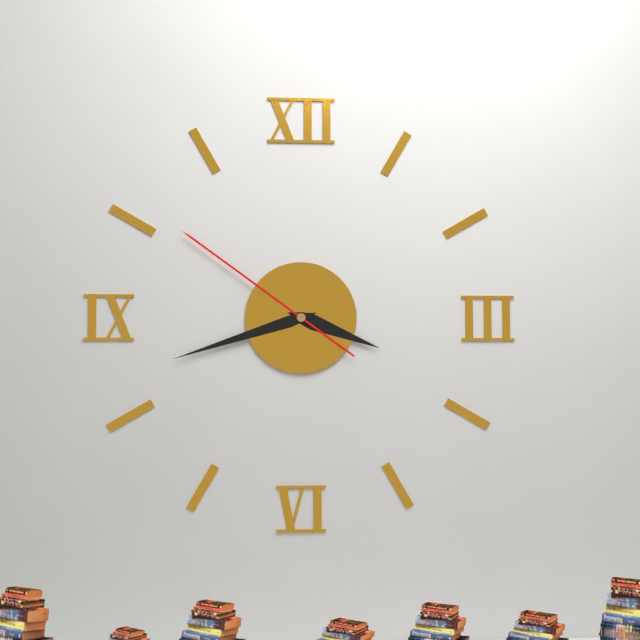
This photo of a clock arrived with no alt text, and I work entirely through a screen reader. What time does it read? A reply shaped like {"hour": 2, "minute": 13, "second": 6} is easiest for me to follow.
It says {"hour": 3, "minute": 42, "second": 51}
